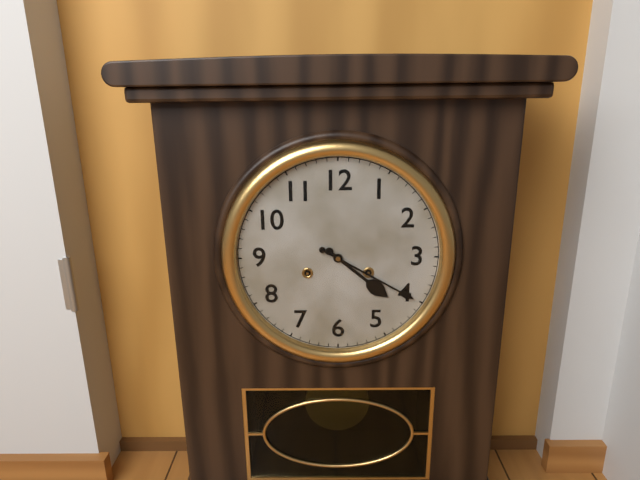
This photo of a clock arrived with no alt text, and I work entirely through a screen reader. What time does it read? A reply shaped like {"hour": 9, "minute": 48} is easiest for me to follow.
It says {"hour": 4, "minute": 20}
